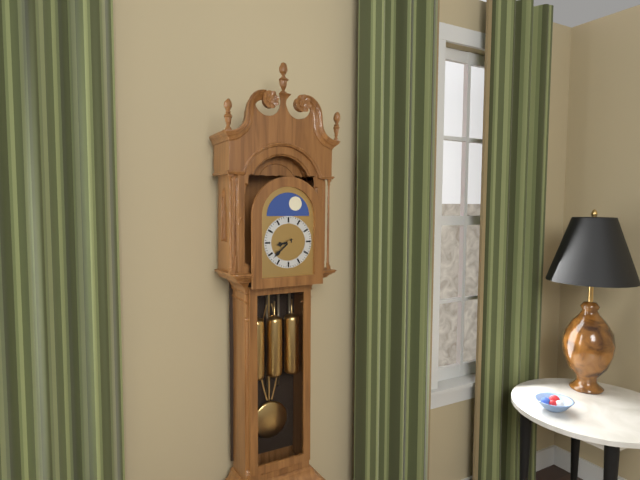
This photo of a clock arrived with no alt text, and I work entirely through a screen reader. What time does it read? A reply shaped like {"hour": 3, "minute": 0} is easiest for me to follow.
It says {"hour": 8, "minute": 38}
